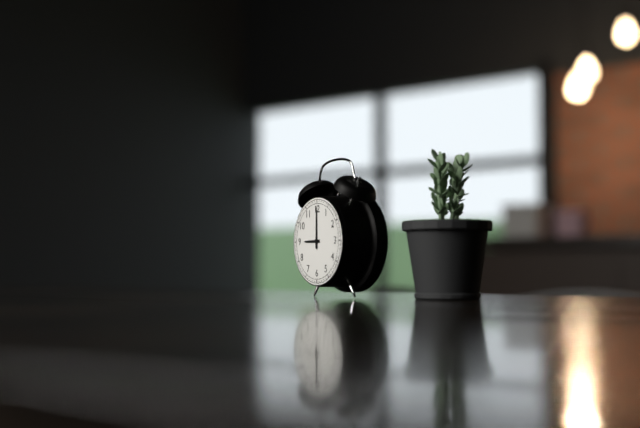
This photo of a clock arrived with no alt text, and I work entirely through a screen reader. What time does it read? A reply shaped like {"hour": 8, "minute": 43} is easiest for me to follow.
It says {"hour": 9, "minute": 0}
